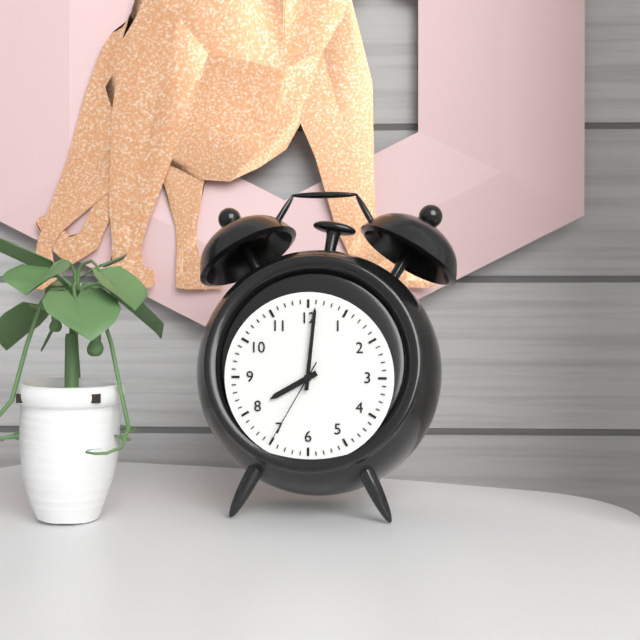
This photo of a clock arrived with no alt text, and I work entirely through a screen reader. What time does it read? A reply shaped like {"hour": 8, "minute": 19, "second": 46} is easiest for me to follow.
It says {"hour": 8, "minute": 1, "second": 35}
